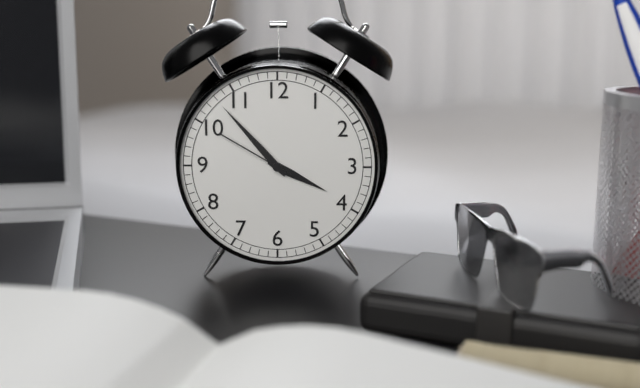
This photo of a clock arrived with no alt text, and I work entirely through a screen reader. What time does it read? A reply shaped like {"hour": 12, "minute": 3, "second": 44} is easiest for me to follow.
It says {"hour": 3, "minute": 53, "second": 50}
